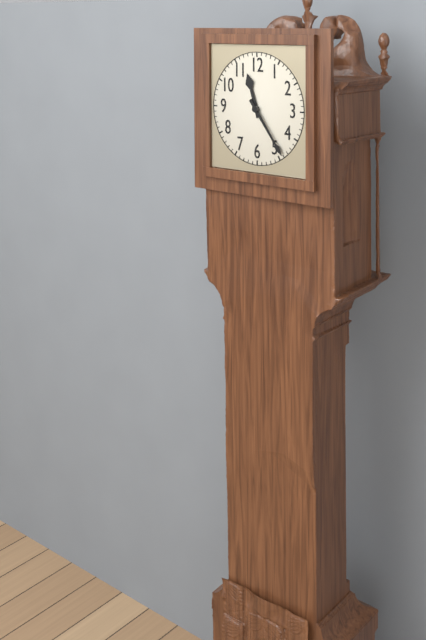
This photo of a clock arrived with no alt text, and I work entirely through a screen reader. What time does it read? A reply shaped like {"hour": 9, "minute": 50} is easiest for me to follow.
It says {"hour": 11, "minute": 24}
